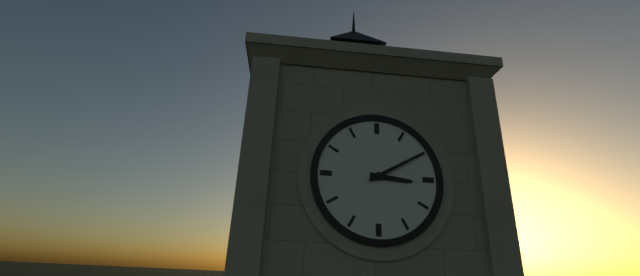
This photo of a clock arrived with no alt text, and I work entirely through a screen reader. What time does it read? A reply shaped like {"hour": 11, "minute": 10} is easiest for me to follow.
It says {"hour": 3, "minute": 10}
